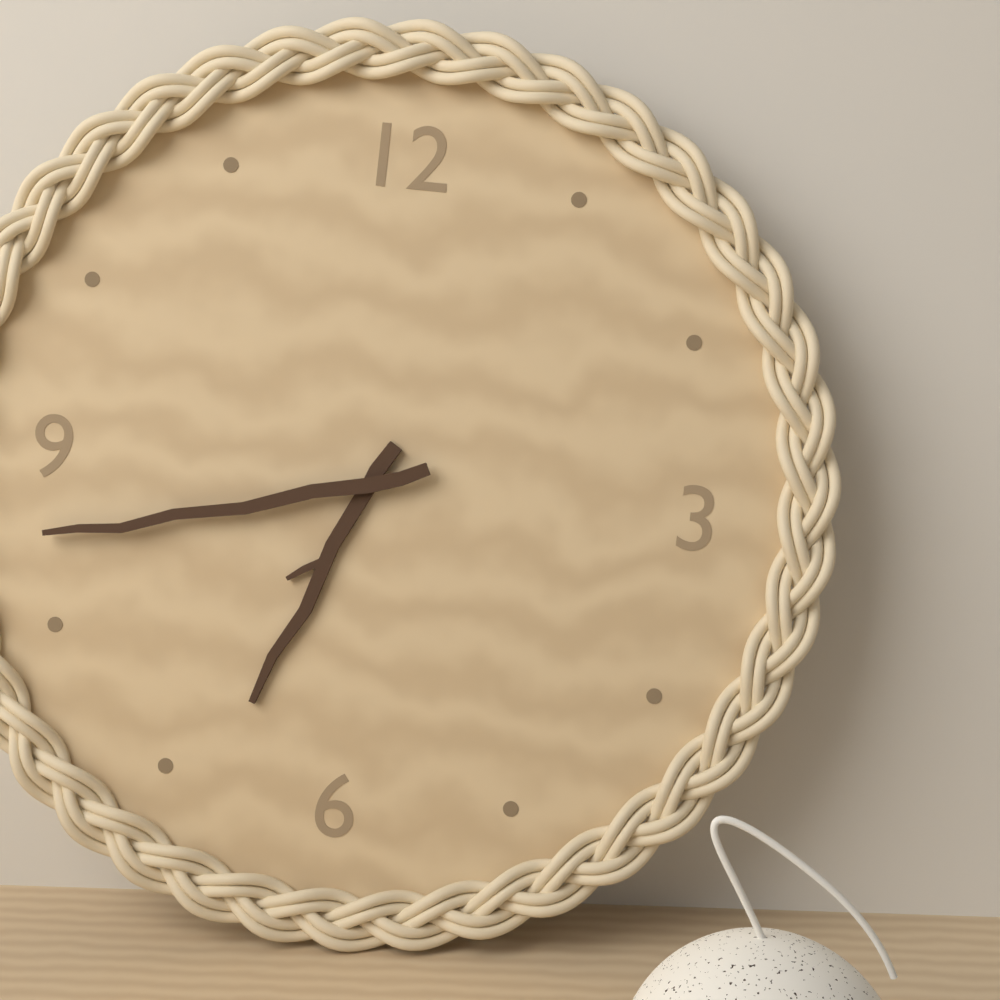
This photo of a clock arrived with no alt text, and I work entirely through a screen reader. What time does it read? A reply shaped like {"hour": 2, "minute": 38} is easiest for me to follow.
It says {"hour": 6, "minute": 42}
